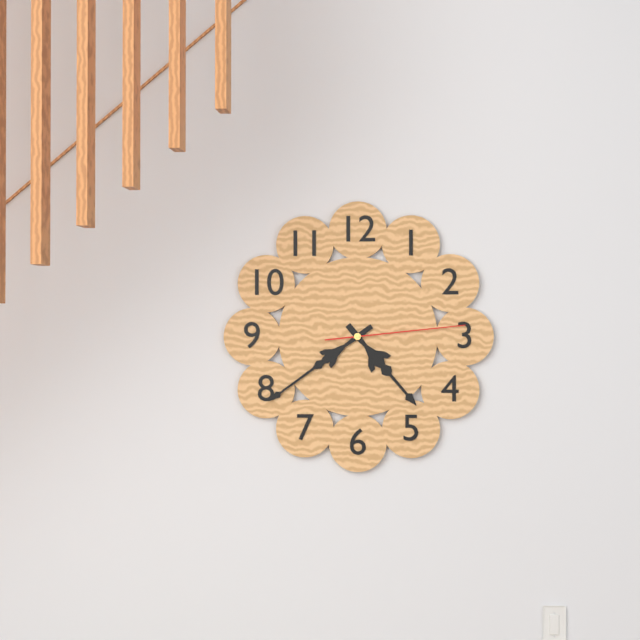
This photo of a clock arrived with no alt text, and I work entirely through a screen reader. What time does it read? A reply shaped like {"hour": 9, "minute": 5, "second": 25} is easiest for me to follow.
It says {"hour": 4, "minute": 39, "second": 14}
